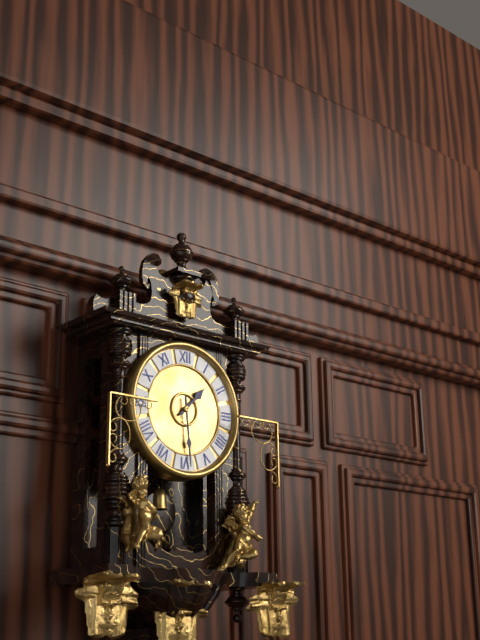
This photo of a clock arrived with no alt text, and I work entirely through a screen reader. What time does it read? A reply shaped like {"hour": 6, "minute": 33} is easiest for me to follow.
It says {"hour": 1, "minute": 29}
